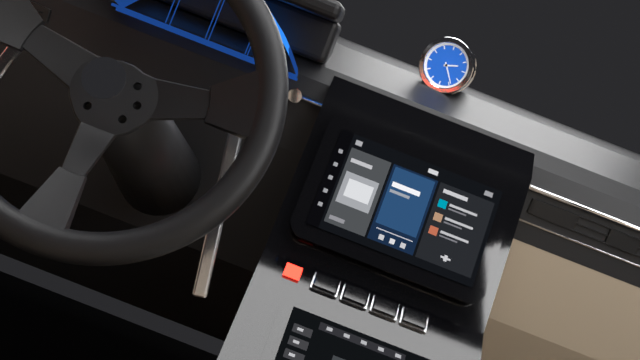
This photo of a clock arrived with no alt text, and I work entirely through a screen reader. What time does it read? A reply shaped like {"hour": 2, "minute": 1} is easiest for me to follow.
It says {"hour": 2, "minute": 24}
